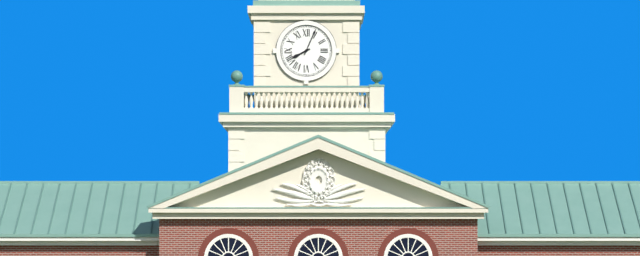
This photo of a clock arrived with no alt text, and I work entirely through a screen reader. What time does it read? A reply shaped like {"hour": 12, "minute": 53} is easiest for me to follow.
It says {"hour": 8, "minute": 4}
